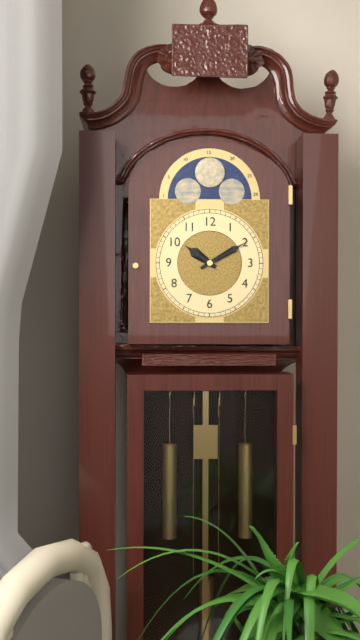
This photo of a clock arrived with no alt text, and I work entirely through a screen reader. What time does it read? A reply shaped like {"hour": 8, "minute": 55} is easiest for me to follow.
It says {"hour": 10, "minute": 10}
